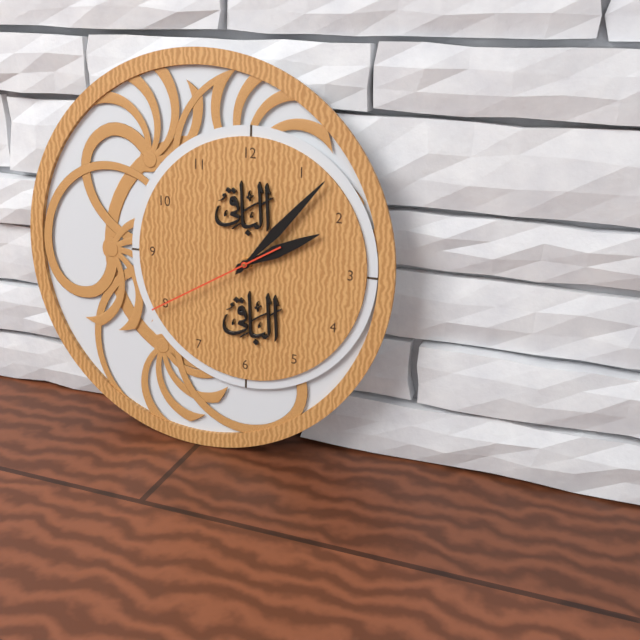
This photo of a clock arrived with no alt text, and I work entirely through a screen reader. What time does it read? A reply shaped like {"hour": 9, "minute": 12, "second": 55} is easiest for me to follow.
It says {"hour": 2, "minute": 7, "second": 40}
